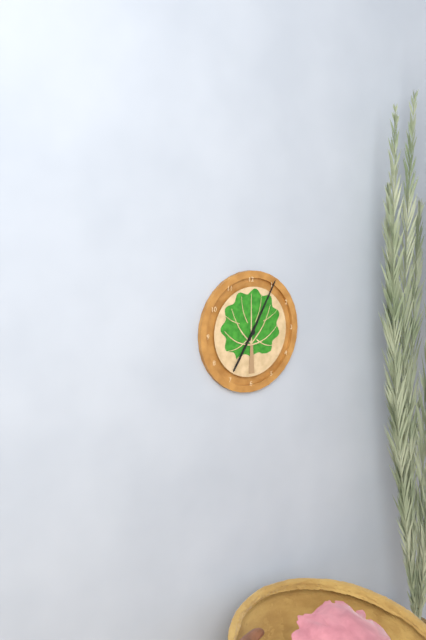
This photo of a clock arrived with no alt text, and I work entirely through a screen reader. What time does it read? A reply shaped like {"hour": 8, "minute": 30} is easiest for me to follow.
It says {"hour": 7, "minute": 5}
